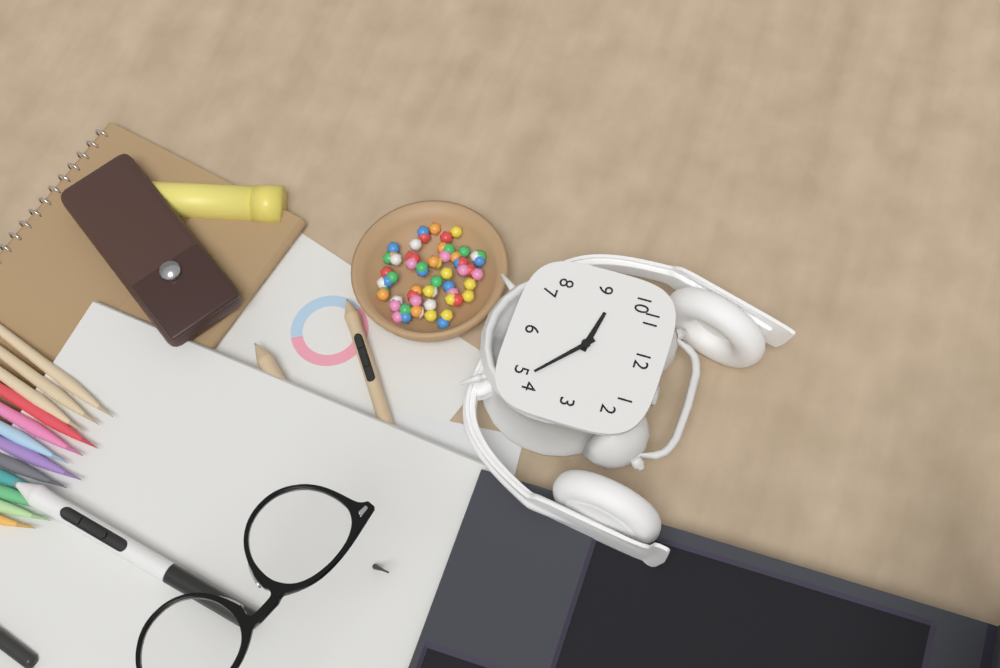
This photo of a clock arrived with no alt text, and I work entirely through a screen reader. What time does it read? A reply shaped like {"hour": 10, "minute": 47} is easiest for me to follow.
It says {"hour": 9, "minute": 22}
